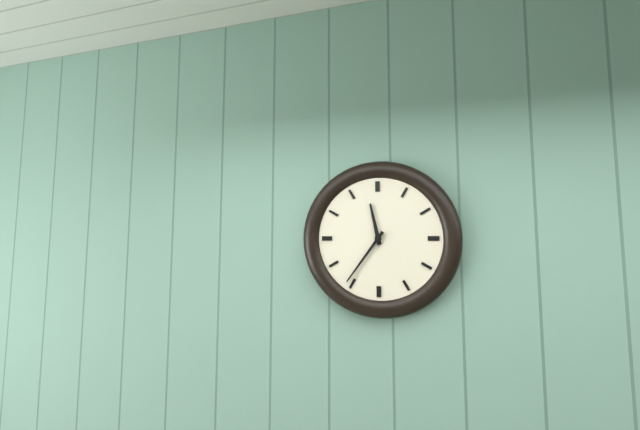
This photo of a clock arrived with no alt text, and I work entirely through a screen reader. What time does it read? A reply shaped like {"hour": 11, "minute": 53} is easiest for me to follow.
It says {"hour": 11, "minute": 36}
